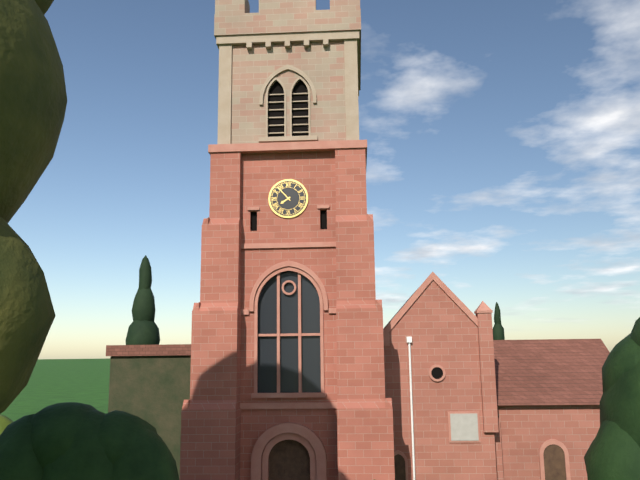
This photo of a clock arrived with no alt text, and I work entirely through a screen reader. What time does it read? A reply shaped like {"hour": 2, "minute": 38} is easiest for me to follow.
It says {"hour": 7, "minute": 53}
